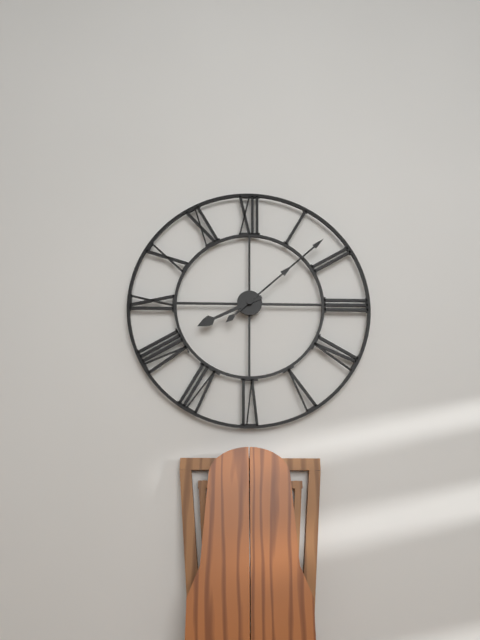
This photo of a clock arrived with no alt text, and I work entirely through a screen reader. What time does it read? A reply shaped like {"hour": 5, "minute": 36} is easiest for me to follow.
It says {"hour": 8, "minute": 8}
